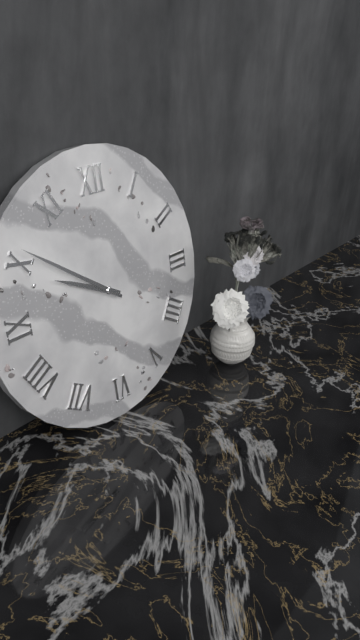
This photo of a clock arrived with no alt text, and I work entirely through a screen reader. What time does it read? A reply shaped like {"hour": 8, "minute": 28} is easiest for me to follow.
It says {"hour": 9, "minute": 51}
